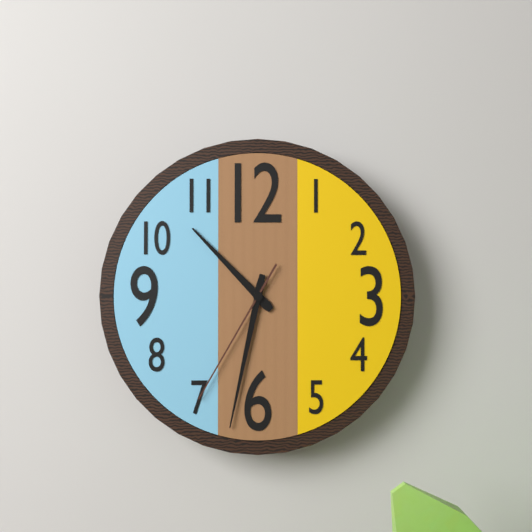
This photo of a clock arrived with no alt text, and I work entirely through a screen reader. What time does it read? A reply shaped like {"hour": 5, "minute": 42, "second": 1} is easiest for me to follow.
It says {"hour": 10, "minute": 32, "second": 35}
